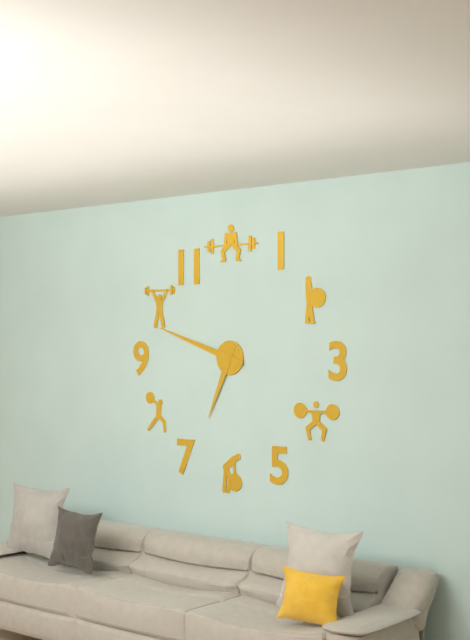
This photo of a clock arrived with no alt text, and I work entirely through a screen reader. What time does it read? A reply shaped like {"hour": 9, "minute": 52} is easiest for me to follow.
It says {"hour": 6, "minute": 48}
